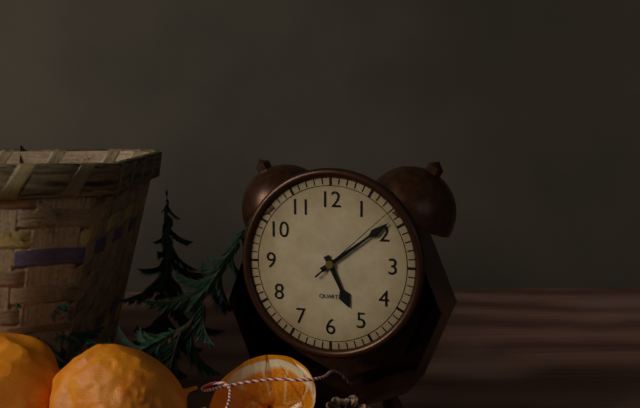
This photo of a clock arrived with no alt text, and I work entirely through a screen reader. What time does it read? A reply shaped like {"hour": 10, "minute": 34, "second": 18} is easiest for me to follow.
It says {"hour": 5, "minute": 9, "second": 8}
